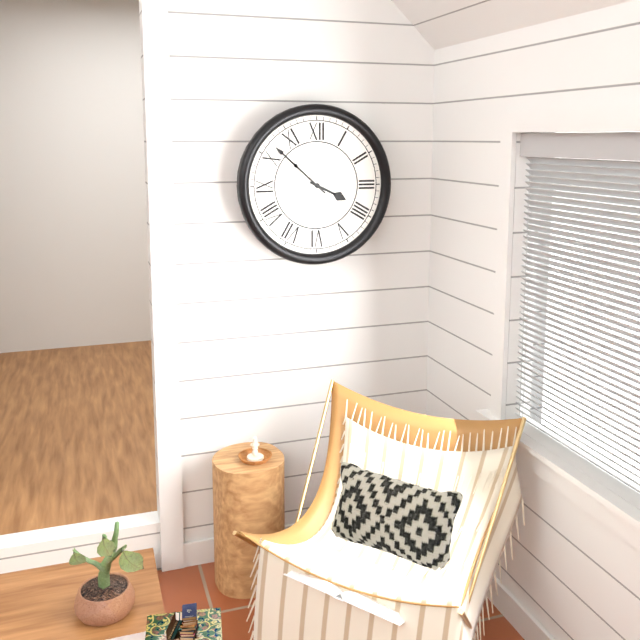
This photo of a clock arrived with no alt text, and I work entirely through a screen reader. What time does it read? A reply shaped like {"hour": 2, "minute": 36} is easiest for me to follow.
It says {"hour": 3, "minute": 52}
